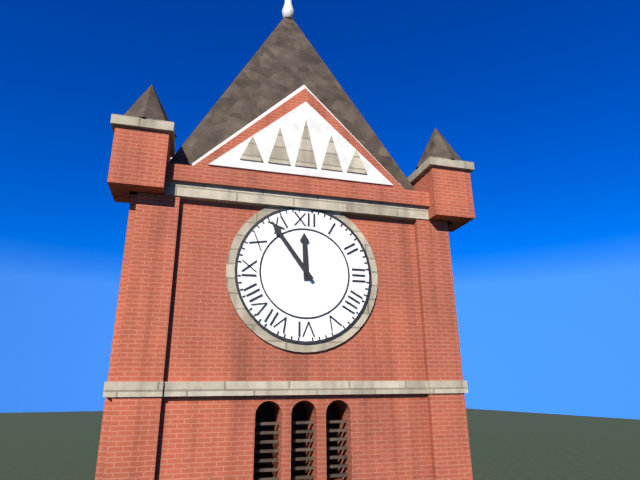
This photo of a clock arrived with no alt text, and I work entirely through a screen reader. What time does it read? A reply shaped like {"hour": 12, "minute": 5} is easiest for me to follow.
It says {"hour": 11, "minute": 54}
